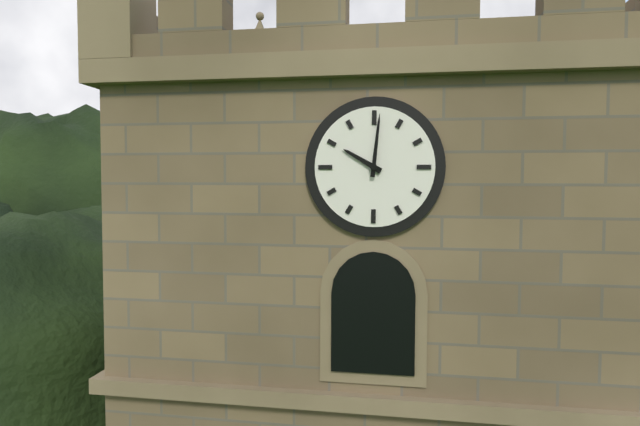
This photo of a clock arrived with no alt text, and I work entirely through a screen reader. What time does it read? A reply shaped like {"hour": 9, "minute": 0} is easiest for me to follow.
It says {"hour": 10, "minute": 1}
